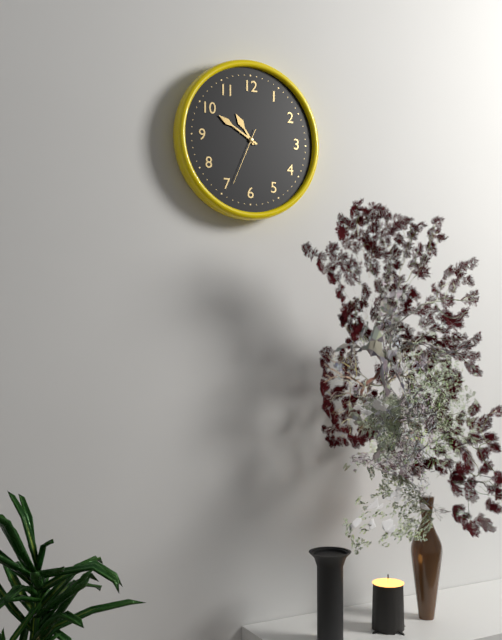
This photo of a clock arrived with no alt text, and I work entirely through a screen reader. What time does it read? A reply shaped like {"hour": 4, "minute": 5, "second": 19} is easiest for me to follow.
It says {"hour": 10, "minute": 50, "second": 34}
